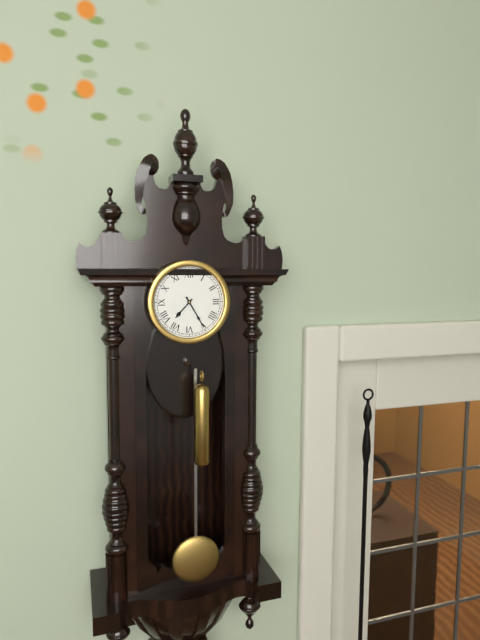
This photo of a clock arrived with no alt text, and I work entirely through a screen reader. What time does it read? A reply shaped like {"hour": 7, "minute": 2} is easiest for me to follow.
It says {"hour": 7, "minute": 25}
